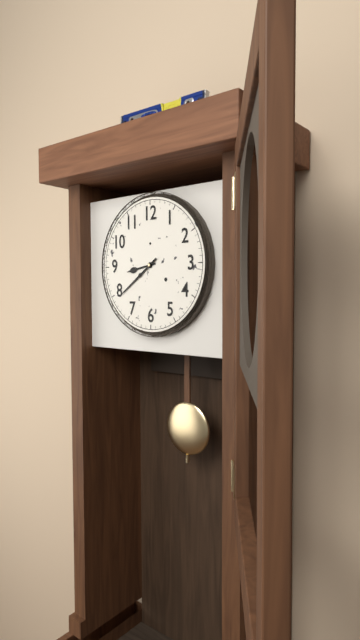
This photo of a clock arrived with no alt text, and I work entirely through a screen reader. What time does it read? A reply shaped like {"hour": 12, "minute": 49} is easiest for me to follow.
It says {"hour": 8, "minute": 39}
